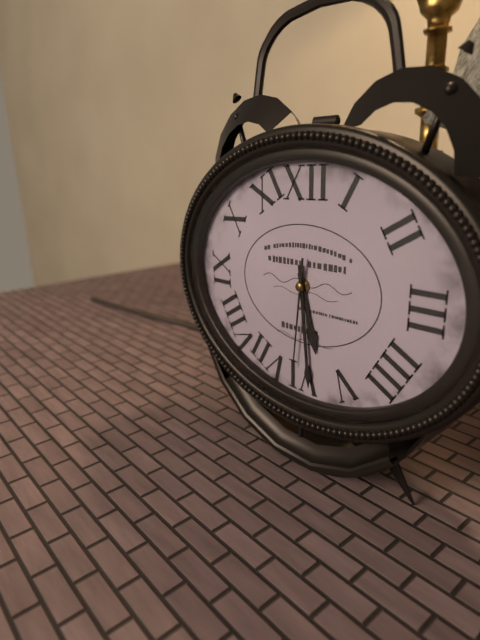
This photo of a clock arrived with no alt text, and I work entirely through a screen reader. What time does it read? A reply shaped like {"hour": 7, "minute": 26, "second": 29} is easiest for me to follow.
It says {"hour": 5, "minute": 29, "second": 31}
